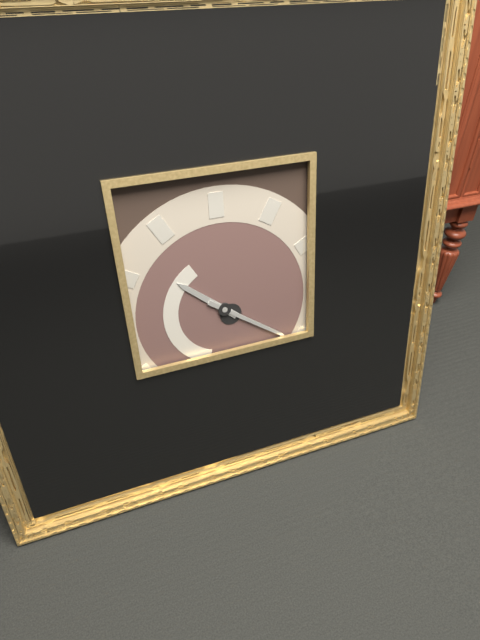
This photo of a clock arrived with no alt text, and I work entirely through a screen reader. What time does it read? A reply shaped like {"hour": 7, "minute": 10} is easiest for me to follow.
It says {"hour": 10, "minute": 21}
